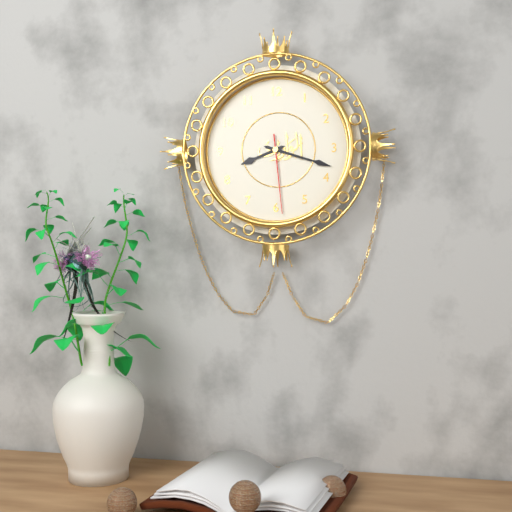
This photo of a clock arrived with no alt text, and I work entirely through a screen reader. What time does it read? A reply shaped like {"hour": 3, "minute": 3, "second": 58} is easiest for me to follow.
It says {"hour": 8, "minute": 18, "second": 29}
